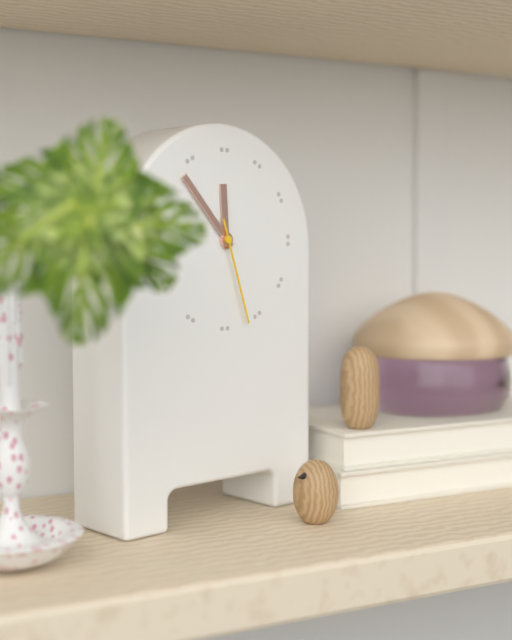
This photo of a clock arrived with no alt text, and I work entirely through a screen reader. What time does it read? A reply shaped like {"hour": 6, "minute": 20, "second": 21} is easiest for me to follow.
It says {"hour": 11, "minute": 53, "second": 27}
